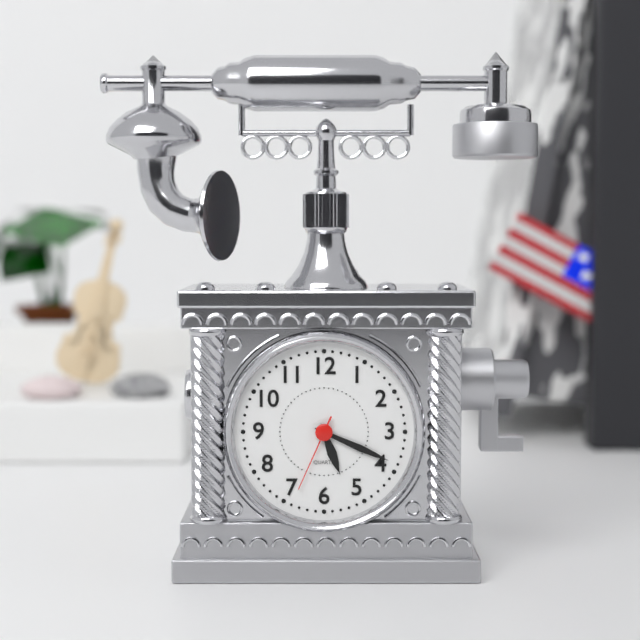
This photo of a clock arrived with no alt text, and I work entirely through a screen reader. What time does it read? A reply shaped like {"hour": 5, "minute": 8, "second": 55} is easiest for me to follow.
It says {"hour": 5, "minute": 19, "second": 34}
